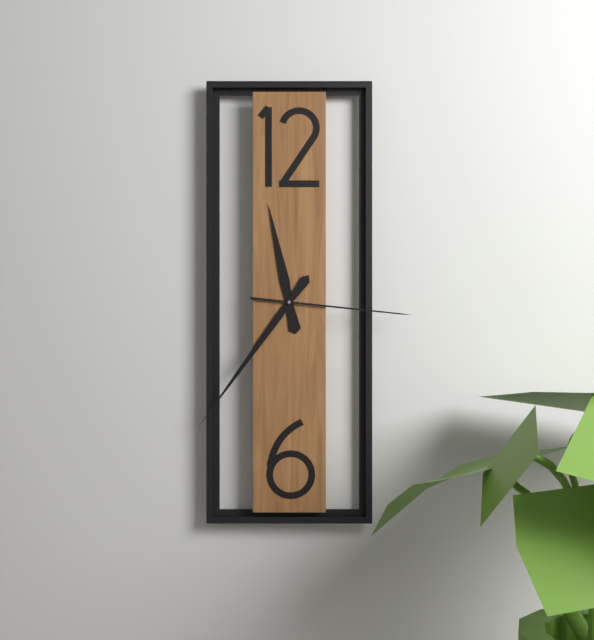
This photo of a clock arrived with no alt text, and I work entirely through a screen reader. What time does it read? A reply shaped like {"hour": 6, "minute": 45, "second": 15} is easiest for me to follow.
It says {"hour": 11, "minute": 36, "second": 16}
